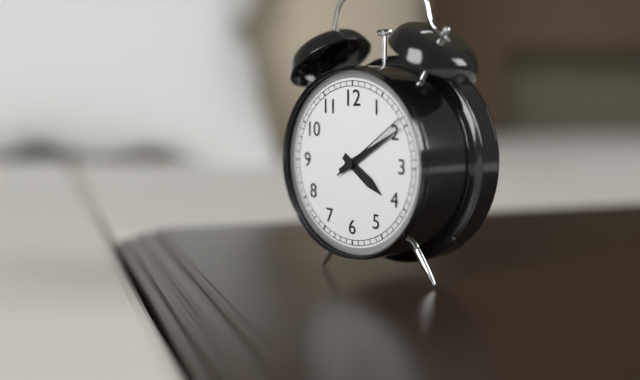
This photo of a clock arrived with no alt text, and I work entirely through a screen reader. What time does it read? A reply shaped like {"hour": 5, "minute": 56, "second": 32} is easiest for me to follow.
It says {"hour": 4, "minute": 10, "second": 9}
